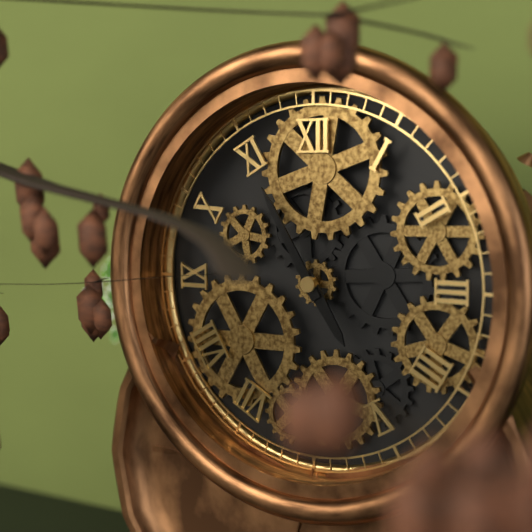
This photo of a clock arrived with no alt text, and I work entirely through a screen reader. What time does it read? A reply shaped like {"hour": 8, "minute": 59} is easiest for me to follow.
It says {"hour": 4, "minute": 55}
